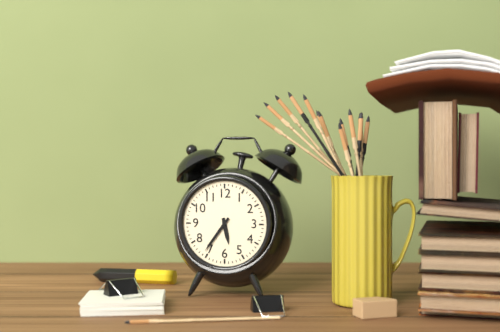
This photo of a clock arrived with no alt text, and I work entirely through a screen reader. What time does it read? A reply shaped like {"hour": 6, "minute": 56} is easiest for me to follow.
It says {"hour": 5, "minute": 36}
